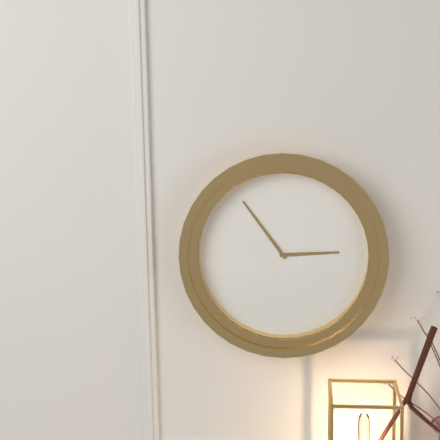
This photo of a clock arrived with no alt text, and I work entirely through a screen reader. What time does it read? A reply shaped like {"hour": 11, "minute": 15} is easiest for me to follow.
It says {"hour": 2, "minute": 54}
